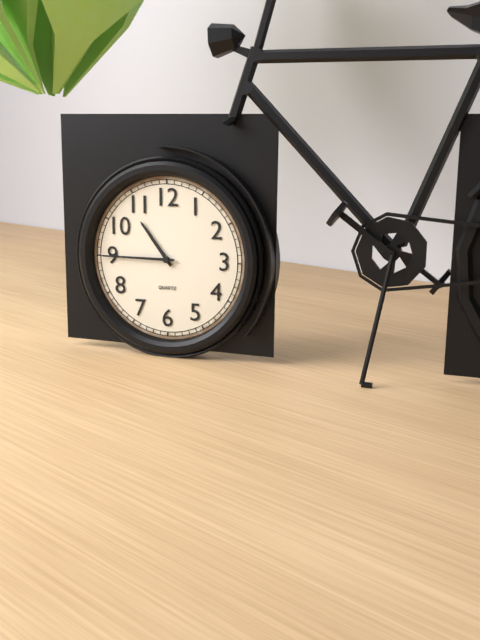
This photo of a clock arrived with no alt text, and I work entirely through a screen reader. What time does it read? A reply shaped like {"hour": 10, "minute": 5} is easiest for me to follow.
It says {"hour": 10, "minute": 45}
